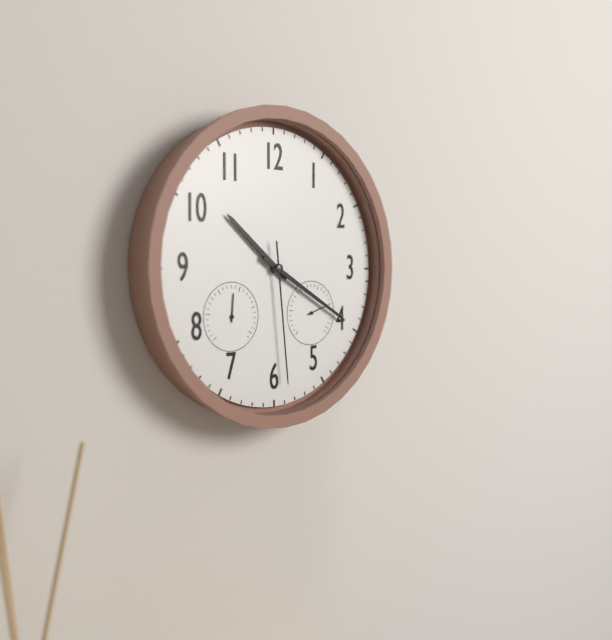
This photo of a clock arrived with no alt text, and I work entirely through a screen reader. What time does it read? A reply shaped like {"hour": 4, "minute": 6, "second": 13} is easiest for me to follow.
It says {"hour": 10, "minute": 20, "second": 29}
